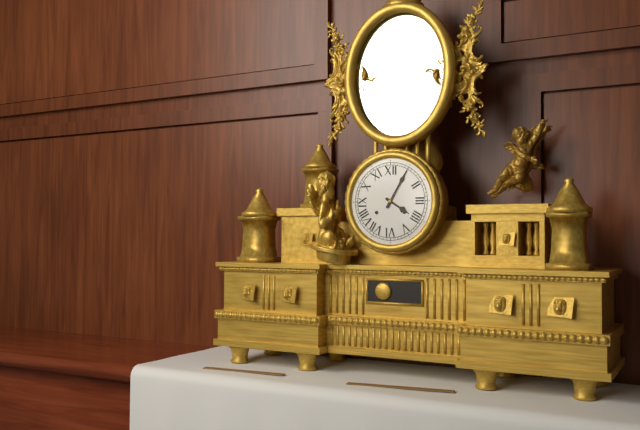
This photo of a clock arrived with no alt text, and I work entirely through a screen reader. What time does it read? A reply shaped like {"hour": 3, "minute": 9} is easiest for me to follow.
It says {"hour": 4, "minute": 5}
